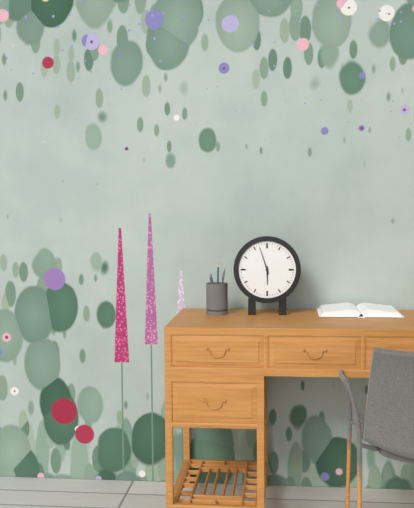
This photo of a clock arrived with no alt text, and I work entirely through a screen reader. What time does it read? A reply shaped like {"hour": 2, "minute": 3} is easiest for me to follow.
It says {"hour": 5, "minute": 57}
